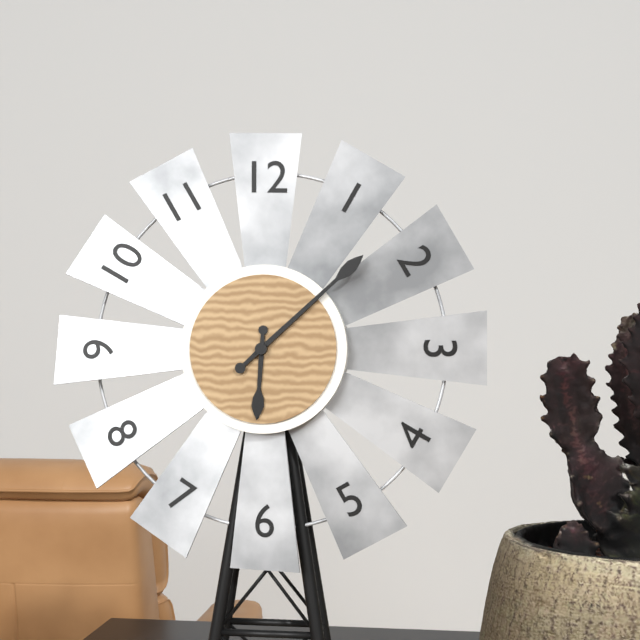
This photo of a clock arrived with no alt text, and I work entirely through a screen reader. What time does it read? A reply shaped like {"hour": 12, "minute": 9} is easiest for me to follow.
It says {"hour": 6, "minute": 8}
